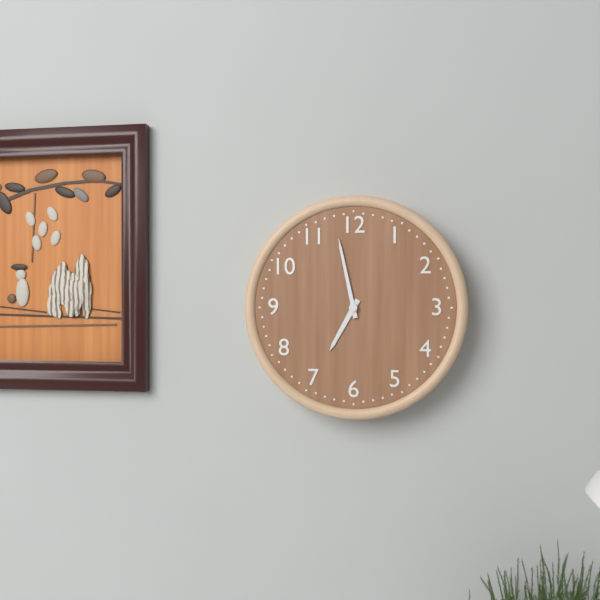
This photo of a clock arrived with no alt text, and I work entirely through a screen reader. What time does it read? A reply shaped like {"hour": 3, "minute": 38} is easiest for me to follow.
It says {"hour": 6, "minute": 58}
